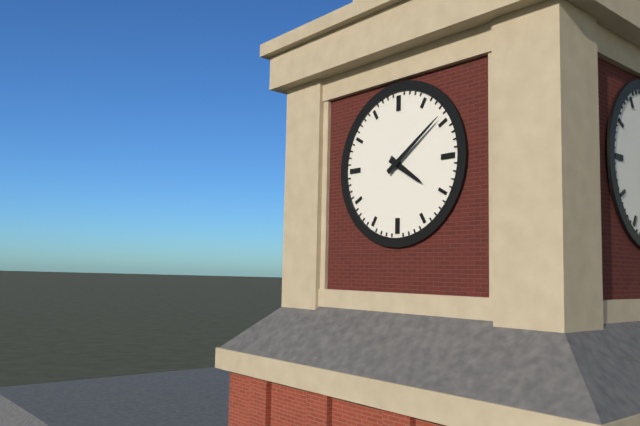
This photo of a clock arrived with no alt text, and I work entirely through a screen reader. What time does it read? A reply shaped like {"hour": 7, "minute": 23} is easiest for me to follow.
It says {"hour": 4, "minute": 9}
